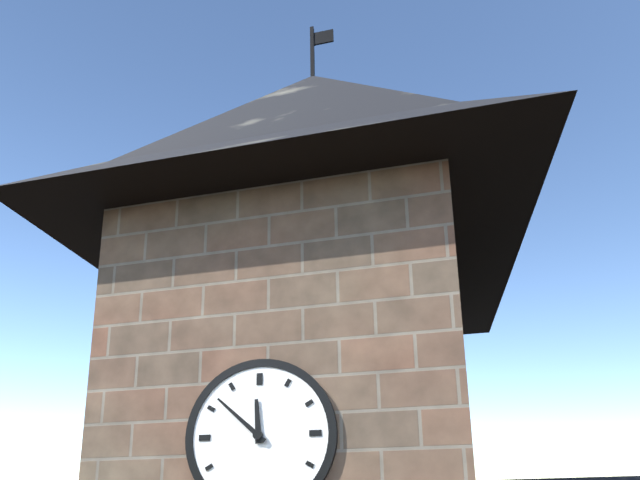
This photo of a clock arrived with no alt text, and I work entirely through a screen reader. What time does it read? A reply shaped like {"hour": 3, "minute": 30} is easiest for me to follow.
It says {"hour": 11, "minute": 52}
